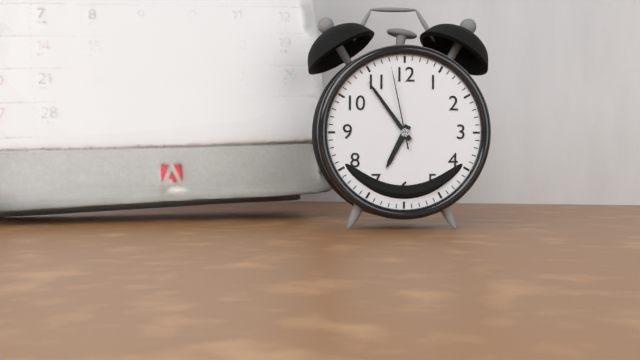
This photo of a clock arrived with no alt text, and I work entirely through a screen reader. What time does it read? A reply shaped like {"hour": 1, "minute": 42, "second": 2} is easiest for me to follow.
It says {"hour": 6, "minute": 54, "second": 58}
